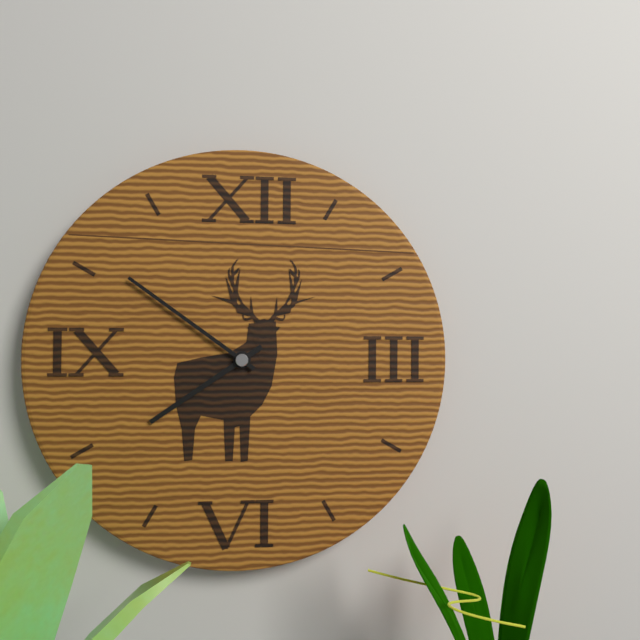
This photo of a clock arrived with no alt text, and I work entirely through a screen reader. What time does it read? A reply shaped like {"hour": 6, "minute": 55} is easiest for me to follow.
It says {"hour": 7, "minute": 51}
